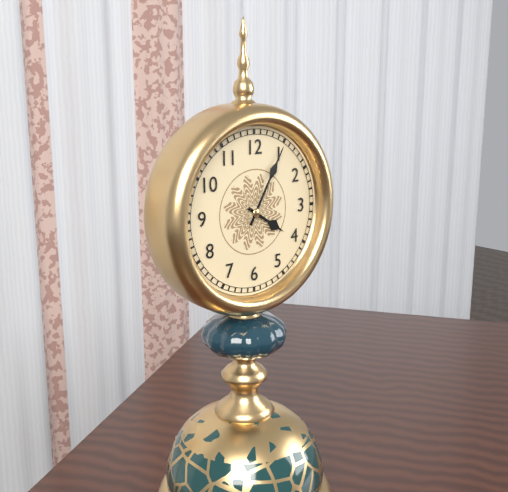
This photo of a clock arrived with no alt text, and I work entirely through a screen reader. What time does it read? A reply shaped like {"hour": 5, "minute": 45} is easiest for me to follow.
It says {"hour": 4, "minute": 5}
